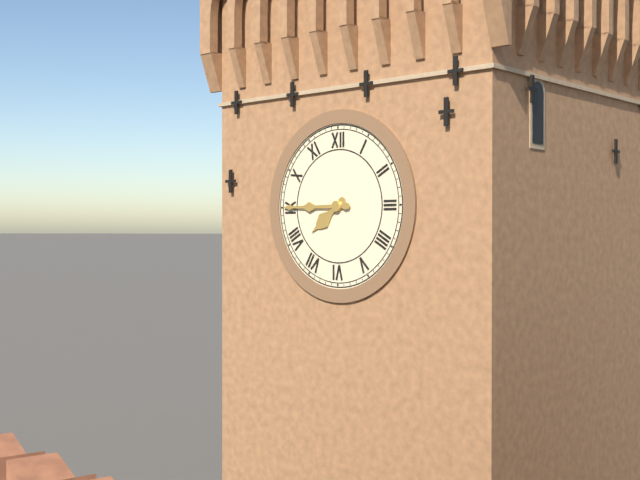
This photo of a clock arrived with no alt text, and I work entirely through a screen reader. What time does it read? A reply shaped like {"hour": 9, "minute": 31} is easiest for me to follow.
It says {"hour": 7, "minute": 45}
